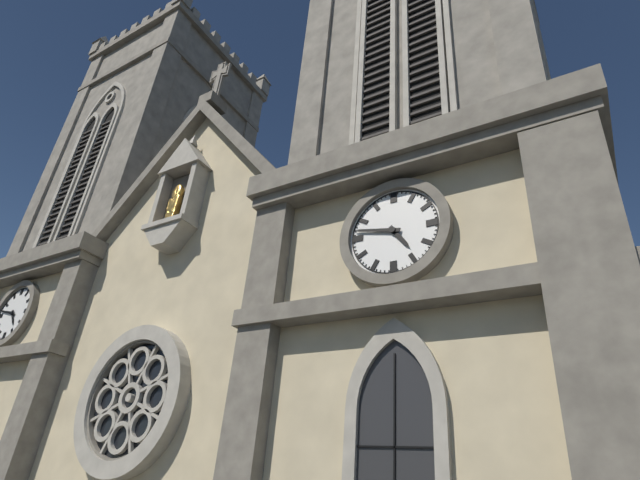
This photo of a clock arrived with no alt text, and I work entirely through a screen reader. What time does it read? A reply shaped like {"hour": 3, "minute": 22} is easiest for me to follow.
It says {"hour": 4, "minute": 47}
